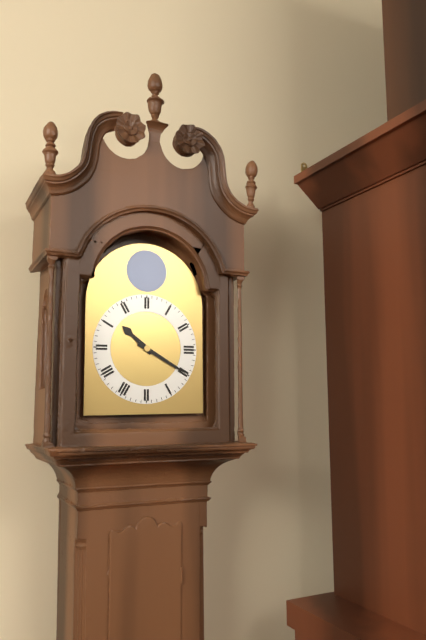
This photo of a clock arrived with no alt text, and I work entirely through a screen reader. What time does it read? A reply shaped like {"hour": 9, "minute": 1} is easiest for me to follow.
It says {"hour": 10, "minute": 20}
